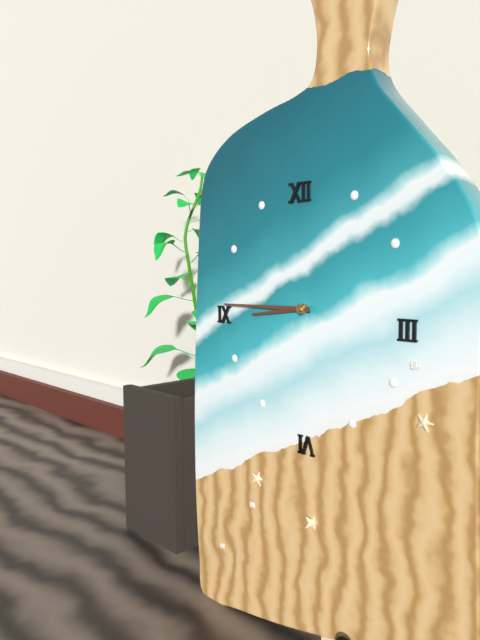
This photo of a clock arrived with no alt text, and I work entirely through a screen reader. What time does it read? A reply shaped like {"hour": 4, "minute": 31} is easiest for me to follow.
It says {"hour": 8, "minute": 45}
